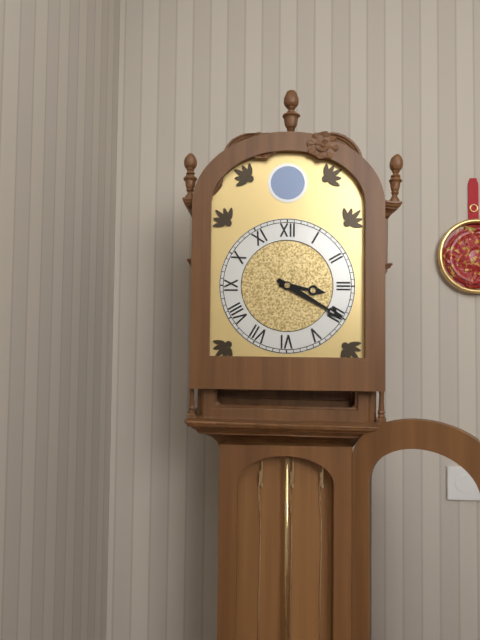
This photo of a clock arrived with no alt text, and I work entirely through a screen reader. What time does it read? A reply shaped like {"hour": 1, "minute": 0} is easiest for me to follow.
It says {"hour": 3, "minute": 20}
